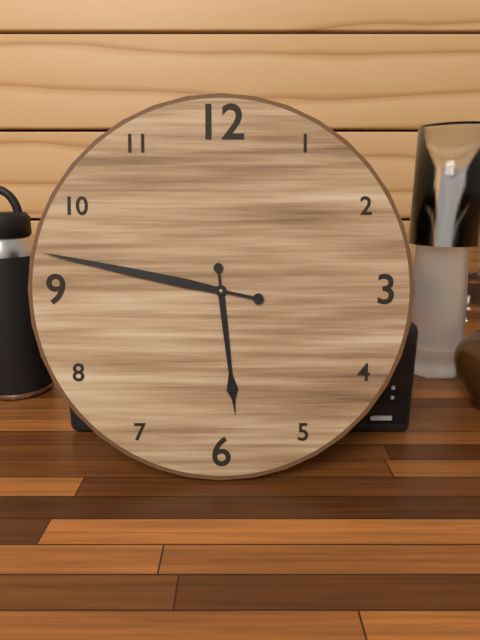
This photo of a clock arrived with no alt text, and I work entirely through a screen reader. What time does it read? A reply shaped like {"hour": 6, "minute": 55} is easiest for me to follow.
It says {"hour": 5, "minute": 47}
